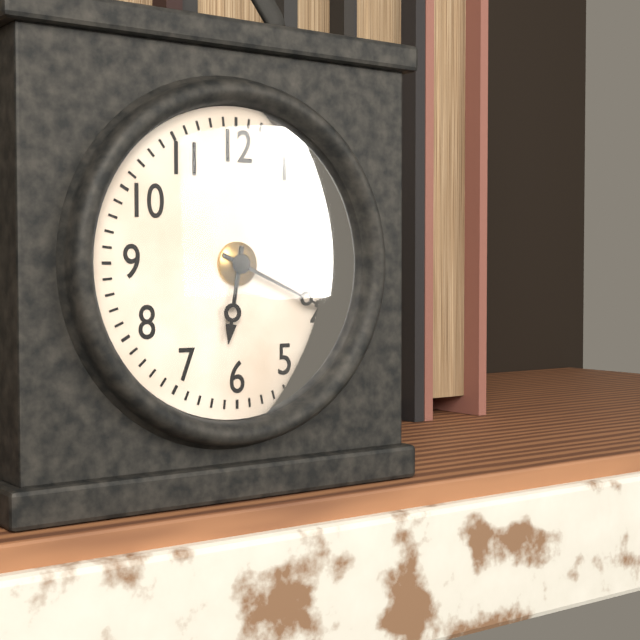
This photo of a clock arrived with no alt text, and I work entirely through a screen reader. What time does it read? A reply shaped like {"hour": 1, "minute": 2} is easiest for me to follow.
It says {"hour": 6, "minute": 19}
